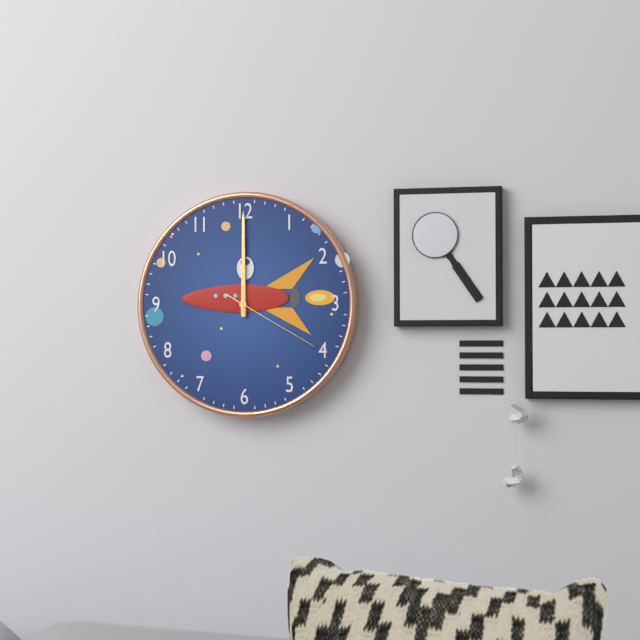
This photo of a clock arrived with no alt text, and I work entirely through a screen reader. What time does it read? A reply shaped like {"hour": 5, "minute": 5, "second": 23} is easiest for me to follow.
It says {"hour": 12, "minute": 0, "second": 20}
